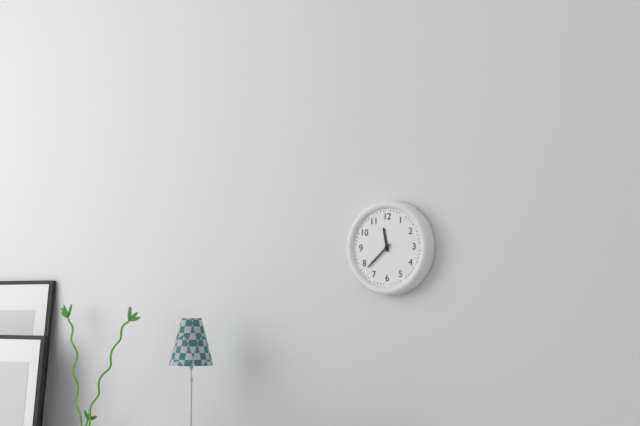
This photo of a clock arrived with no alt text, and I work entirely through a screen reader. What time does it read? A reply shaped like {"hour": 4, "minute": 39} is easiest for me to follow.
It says {"hour": 11, "minute": 38}
